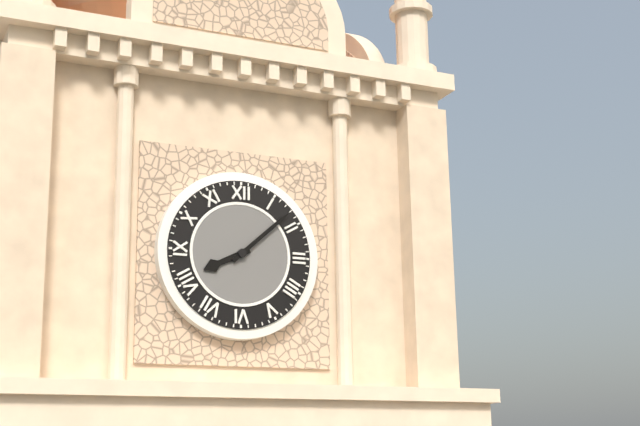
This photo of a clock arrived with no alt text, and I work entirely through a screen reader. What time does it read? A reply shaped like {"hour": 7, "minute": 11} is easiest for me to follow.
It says {"hour": 8, "minute": 8}
